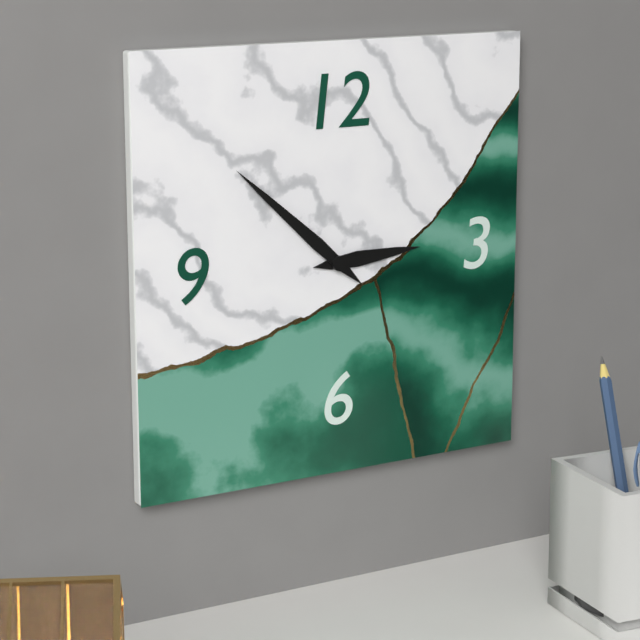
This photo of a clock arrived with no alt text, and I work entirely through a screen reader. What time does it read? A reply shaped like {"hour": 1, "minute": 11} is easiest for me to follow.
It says {"hour": 2, "minute": 52}
